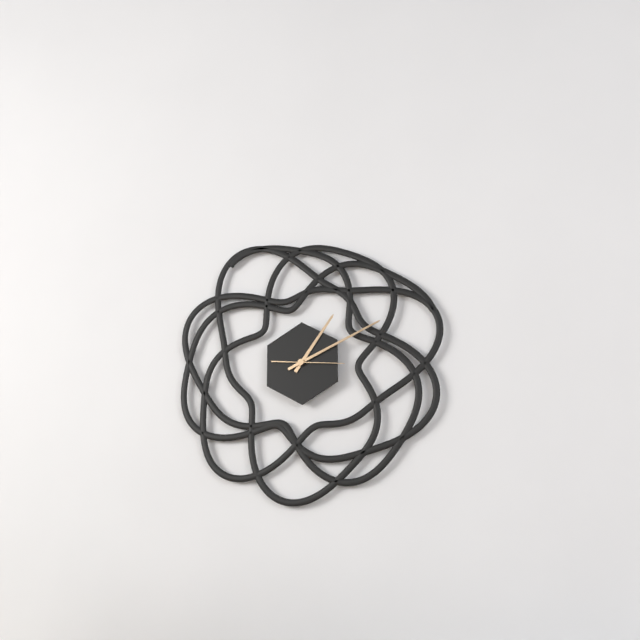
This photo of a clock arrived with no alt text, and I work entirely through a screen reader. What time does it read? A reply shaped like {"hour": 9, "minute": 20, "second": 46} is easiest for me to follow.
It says {"hour": 1, "minute": 11, "second": 16}
